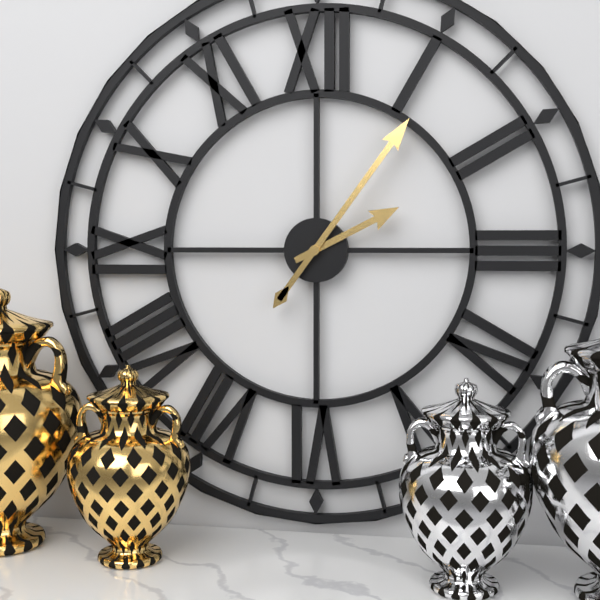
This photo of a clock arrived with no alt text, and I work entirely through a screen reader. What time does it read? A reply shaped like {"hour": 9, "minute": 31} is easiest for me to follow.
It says {"hour": 2, "minute": 6}
